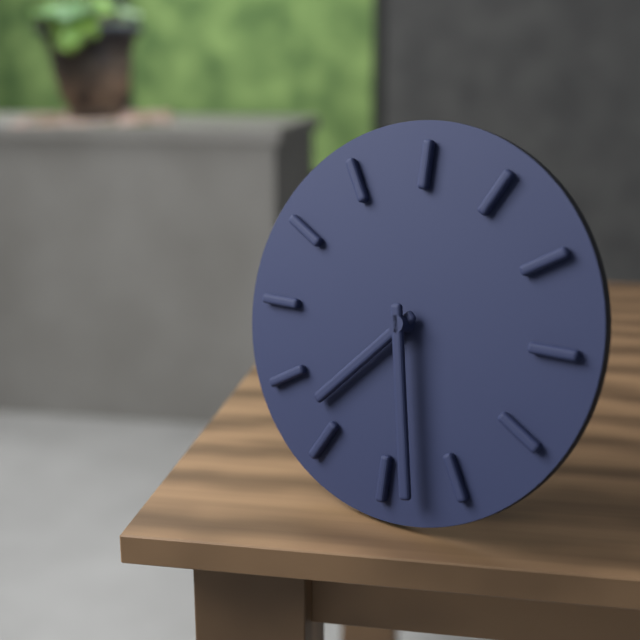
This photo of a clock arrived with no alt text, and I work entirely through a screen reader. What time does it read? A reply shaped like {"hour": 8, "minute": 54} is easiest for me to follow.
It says {"hour": 7, "minute": 28}
